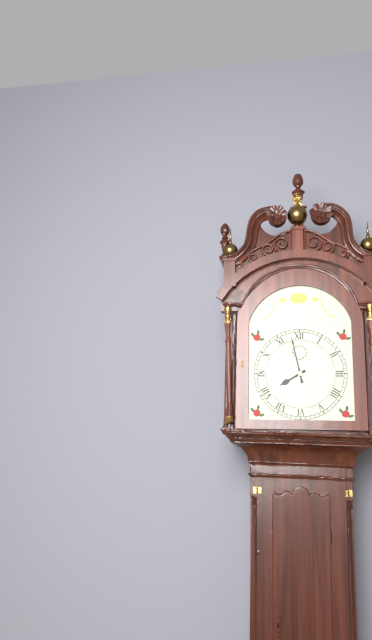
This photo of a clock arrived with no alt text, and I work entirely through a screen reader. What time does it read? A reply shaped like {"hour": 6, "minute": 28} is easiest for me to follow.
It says {"hour": 7, "minute": 58}
